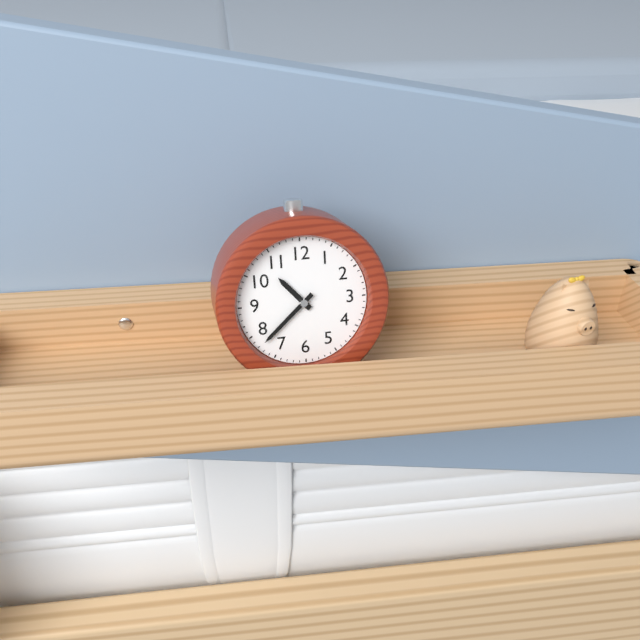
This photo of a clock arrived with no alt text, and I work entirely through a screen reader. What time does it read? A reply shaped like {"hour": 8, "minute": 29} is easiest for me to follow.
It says {"hour": 10, "minute": 38}
